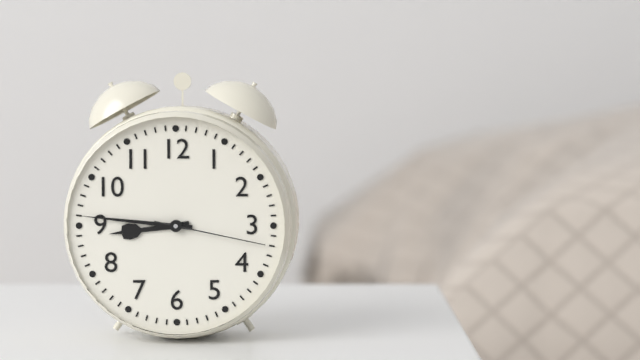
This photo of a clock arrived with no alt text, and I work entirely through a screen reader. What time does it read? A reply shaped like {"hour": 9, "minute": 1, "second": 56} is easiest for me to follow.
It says {"hour": 8, "minute": 46, "second": 17}
